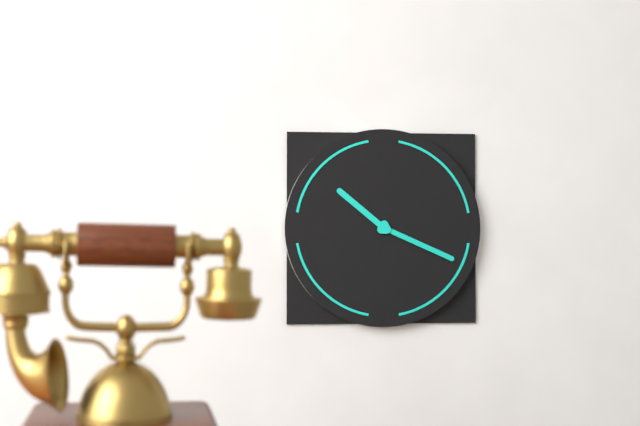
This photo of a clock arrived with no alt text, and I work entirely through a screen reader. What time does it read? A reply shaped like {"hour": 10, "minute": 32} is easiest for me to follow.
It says {"hour": 10, "minute": 19}
